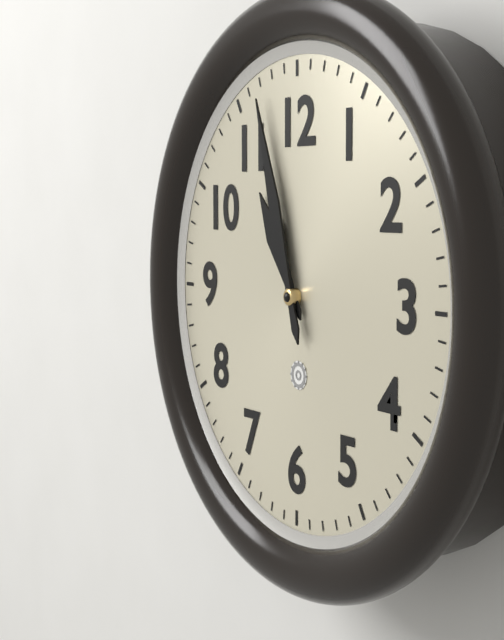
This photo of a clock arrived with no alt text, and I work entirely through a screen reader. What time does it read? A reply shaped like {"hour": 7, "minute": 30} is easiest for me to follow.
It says {"hour": 10, "minute": 57}
